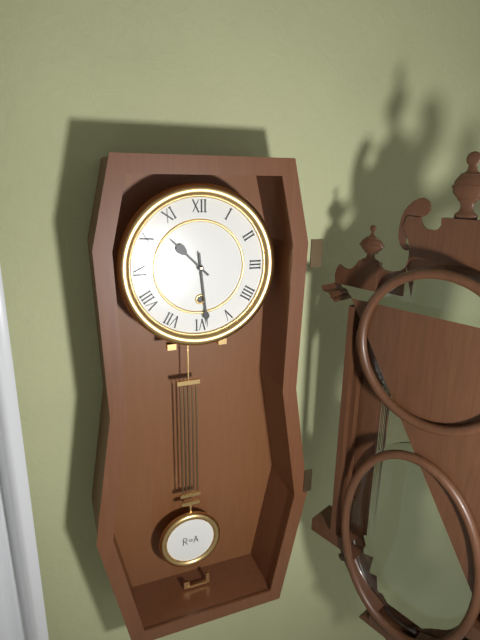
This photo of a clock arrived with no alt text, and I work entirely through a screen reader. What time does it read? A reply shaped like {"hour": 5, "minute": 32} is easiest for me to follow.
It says {"hour": 10, "minute": 29}
